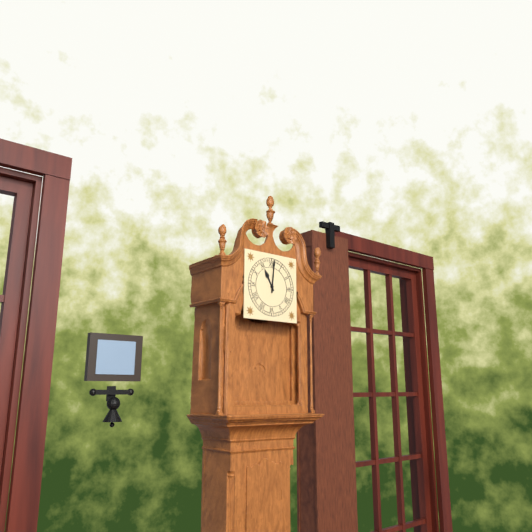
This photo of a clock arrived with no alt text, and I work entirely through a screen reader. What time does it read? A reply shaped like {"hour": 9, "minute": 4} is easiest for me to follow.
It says {"hour": 11, "minute": 1}
